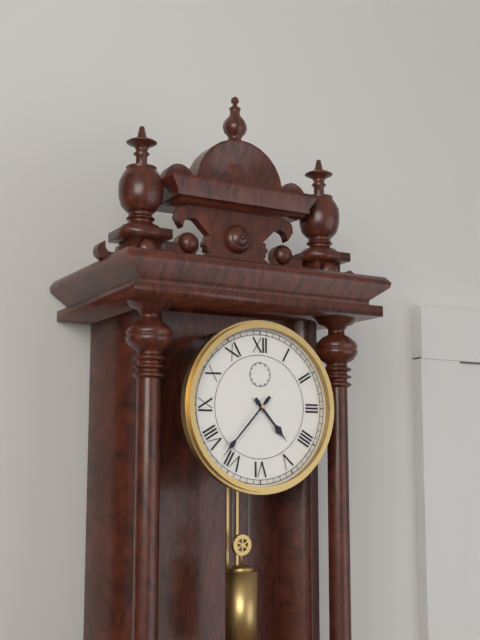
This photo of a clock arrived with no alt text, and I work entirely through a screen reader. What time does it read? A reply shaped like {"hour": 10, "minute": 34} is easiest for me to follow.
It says {"hour": 4, "minute": 37}
